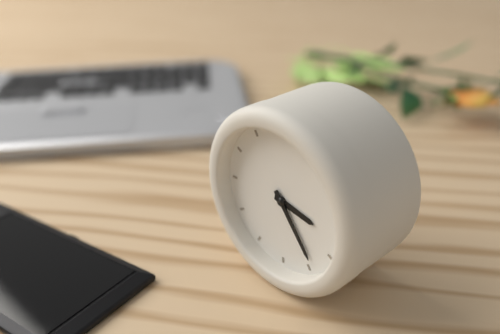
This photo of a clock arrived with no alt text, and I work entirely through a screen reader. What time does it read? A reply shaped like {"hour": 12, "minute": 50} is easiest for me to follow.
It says {"hour": 3, "minute": 24}
